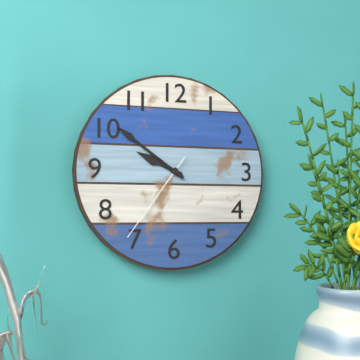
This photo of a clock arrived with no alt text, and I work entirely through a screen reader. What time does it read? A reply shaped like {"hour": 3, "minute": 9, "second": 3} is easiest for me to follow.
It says {"hour": 9, "minute": 51, "second": 36}
